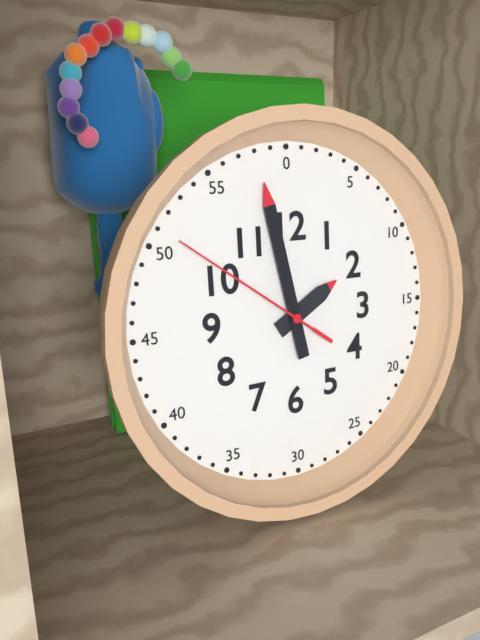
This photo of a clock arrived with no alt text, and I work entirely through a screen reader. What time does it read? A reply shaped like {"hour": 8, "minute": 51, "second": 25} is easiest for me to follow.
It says {"hour": 1, "minute": 58, "second": 51}
